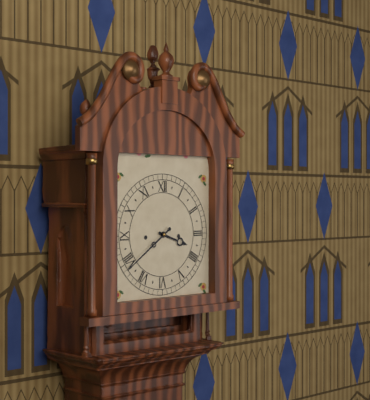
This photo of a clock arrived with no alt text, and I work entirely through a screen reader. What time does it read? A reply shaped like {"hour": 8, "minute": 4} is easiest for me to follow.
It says {"hour": 3, "minute": 39}
